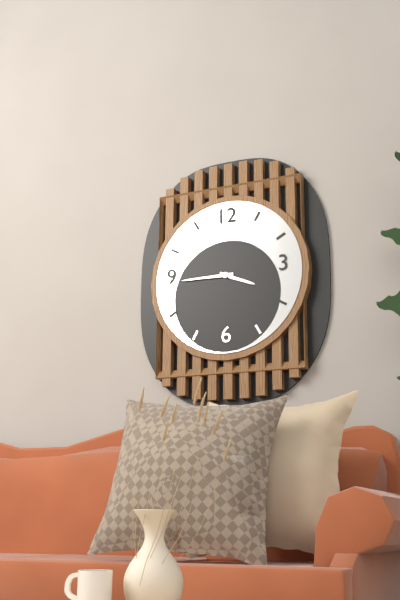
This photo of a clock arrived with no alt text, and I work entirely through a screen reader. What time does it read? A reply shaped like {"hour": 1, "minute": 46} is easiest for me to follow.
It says {"hour": 3, "minute": 45}
